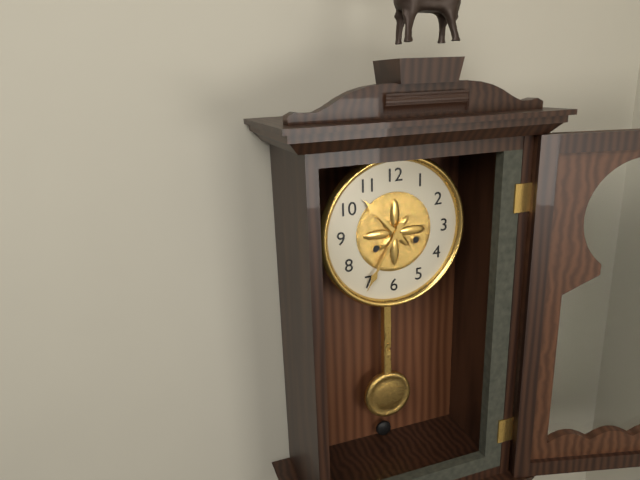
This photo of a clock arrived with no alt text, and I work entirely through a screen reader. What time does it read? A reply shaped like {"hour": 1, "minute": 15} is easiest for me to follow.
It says {"hour": 10, "minute": 35}
